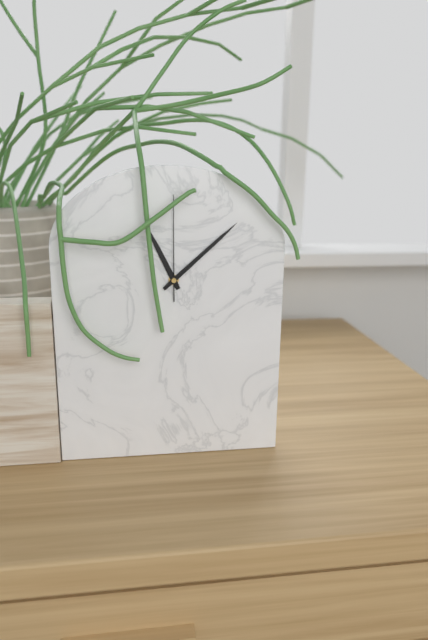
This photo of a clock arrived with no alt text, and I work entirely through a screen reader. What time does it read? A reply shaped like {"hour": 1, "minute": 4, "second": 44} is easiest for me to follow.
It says {"hour": 11, "minute": 8, "second": 0}
